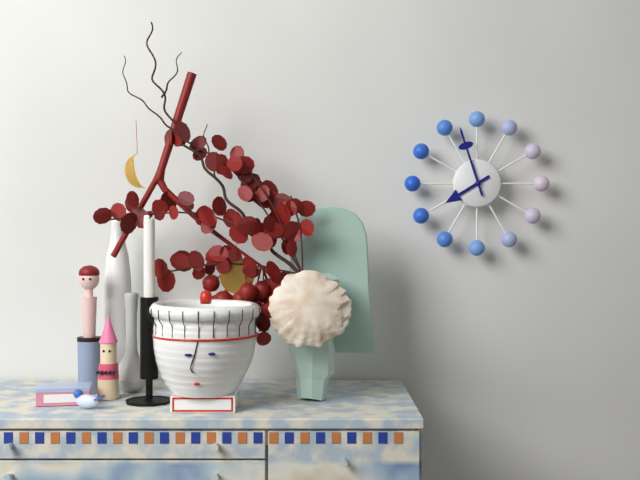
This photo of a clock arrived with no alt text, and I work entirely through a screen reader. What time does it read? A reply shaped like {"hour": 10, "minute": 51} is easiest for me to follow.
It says {"hour": 7, "minute": 57}
